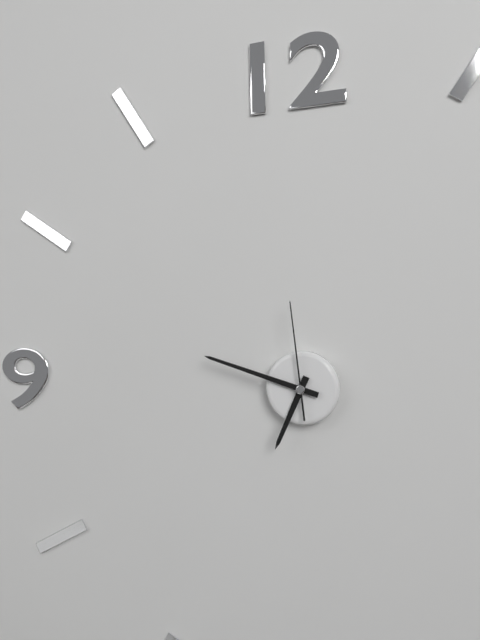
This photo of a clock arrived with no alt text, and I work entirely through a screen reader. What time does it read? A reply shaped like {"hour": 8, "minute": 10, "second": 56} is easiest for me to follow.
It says {"hour": 6, "minute": 48, "second": 59}
